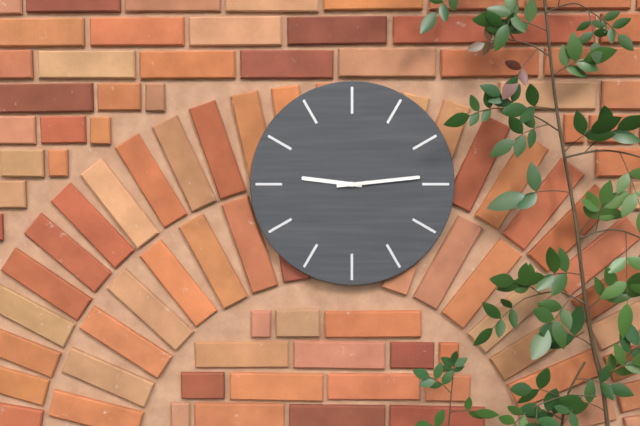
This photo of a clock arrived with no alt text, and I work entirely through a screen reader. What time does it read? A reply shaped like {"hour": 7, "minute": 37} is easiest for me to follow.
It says {"hour": 9, "minute": 14}
